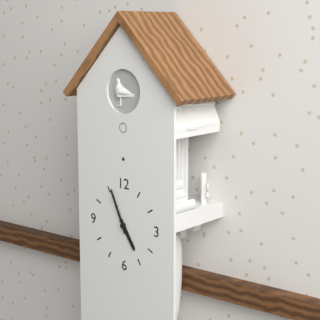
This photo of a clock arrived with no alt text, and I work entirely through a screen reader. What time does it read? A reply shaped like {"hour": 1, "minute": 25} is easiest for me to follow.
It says {"hour": 4, "minute": 56}
